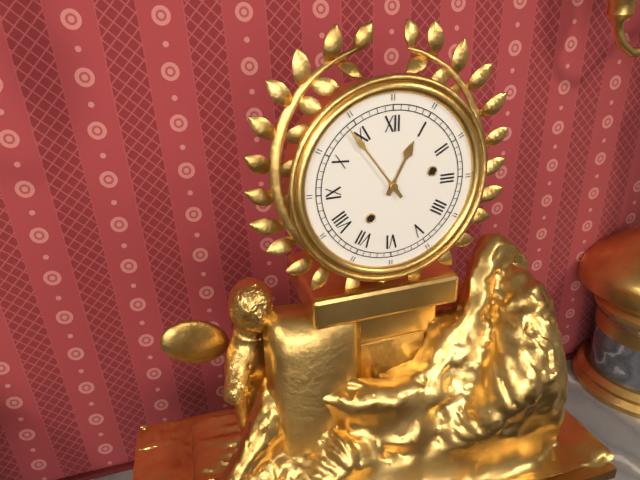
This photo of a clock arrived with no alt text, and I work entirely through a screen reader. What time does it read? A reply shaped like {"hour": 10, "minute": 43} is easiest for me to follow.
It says {"hour": 12, "minute": 54}
